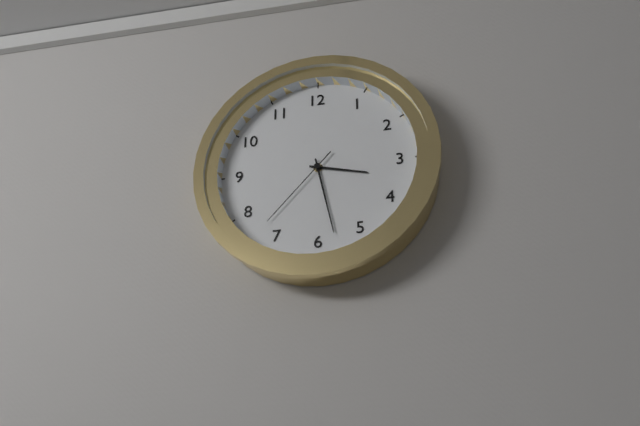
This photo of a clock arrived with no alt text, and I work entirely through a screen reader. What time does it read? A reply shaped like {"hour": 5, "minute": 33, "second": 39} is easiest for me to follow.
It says {"hour": 3, "minute": 28, "second": 37}
